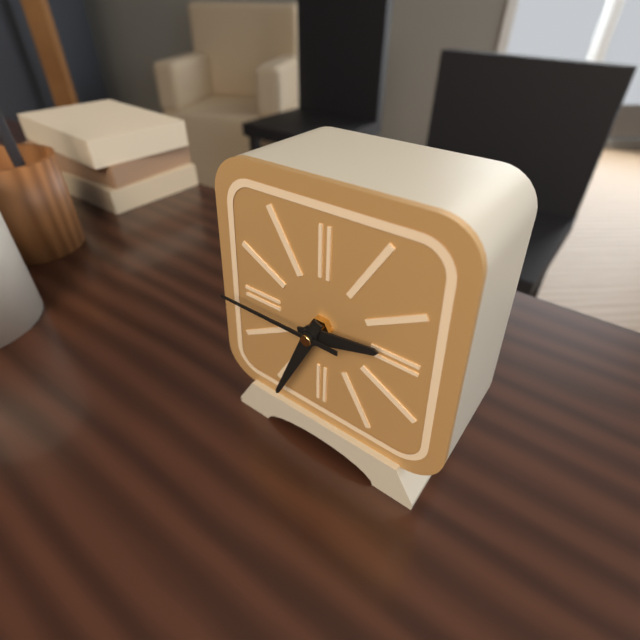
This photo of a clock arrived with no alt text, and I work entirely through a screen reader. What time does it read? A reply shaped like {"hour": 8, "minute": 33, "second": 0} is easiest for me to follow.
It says {"hour": 2, "minute": 34, "second": 45}
